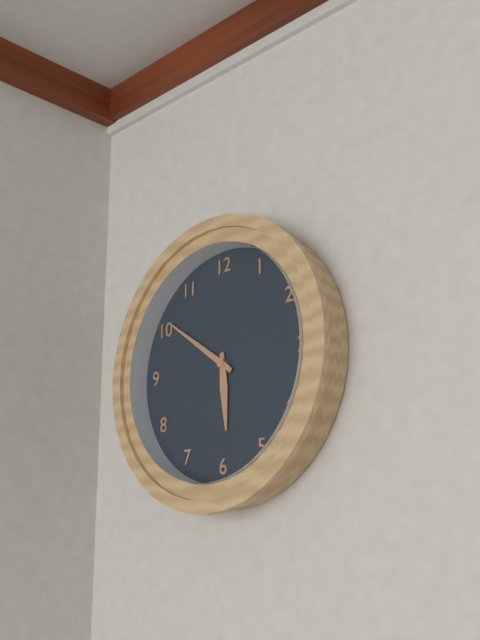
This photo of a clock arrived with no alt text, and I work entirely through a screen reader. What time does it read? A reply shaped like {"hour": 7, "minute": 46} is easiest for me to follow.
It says {"hour": 5, "minute": 51}
